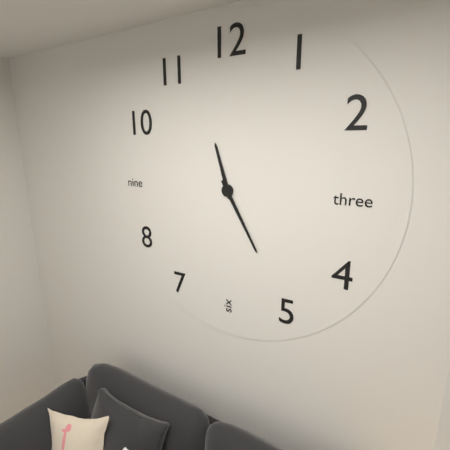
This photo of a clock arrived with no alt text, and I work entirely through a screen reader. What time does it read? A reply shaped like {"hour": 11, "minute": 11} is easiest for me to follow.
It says {"hour": 11, "minute": 25}
